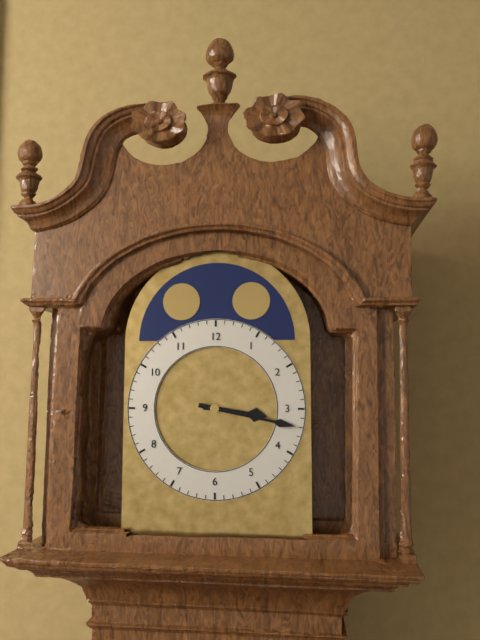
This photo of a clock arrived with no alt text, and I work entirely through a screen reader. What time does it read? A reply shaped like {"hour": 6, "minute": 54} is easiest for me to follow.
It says {"hour": 3, "minute": 17}
